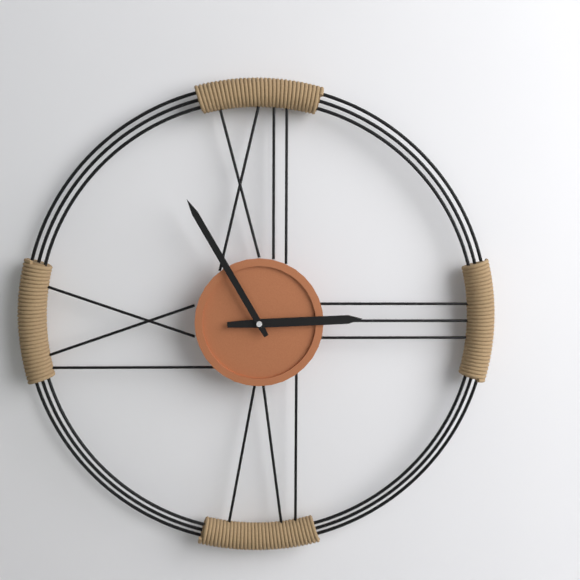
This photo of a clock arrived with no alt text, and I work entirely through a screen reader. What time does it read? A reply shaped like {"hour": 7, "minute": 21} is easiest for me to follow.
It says {"hour": 2, "minute": 55}
